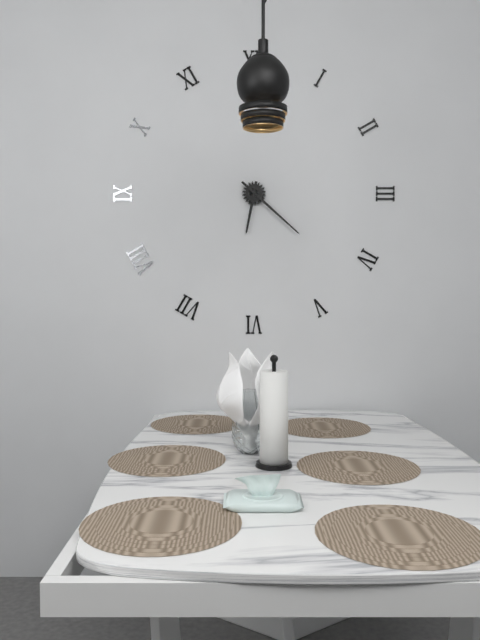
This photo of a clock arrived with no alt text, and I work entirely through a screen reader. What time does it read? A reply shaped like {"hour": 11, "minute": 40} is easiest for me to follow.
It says {"hour": 6, "minute": 22}
